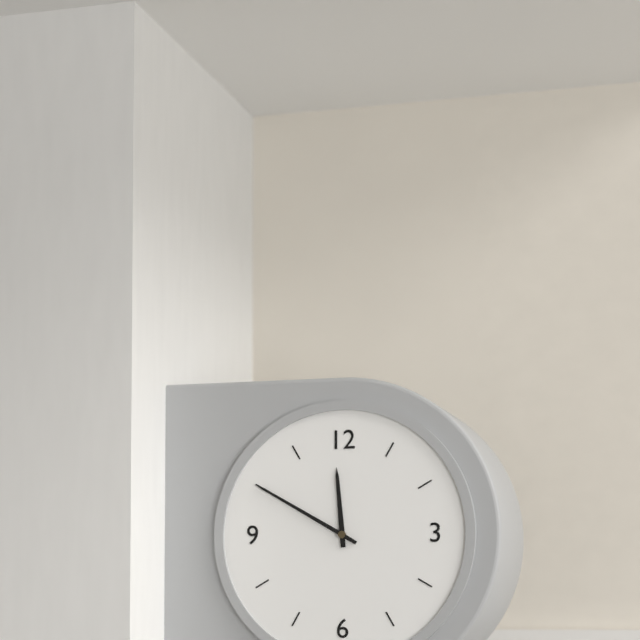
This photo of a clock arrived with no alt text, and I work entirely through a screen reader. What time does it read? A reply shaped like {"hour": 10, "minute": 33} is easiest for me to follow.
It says {"hour": 11, "minute": 50}
